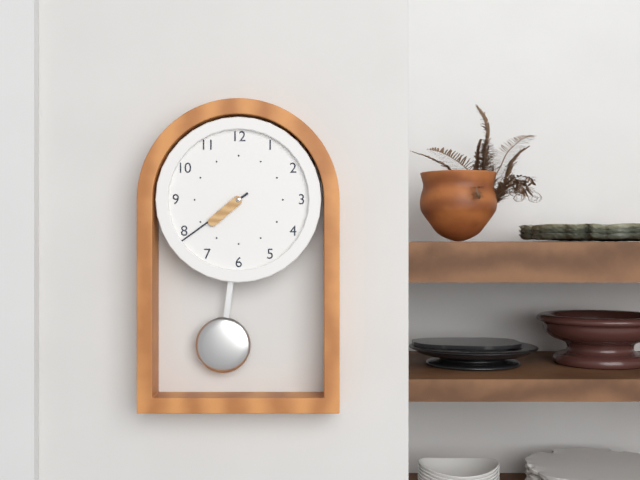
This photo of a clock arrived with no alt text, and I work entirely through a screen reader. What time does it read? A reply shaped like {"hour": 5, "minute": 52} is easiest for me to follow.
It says {"hour": 7, "minute": 39}
